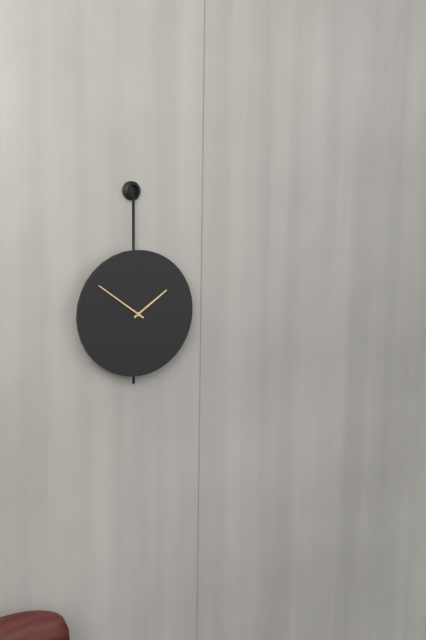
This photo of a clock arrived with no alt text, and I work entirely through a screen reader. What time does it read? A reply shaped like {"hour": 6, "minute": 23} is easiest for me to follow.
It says {"hour": 1, "minute": 51}
